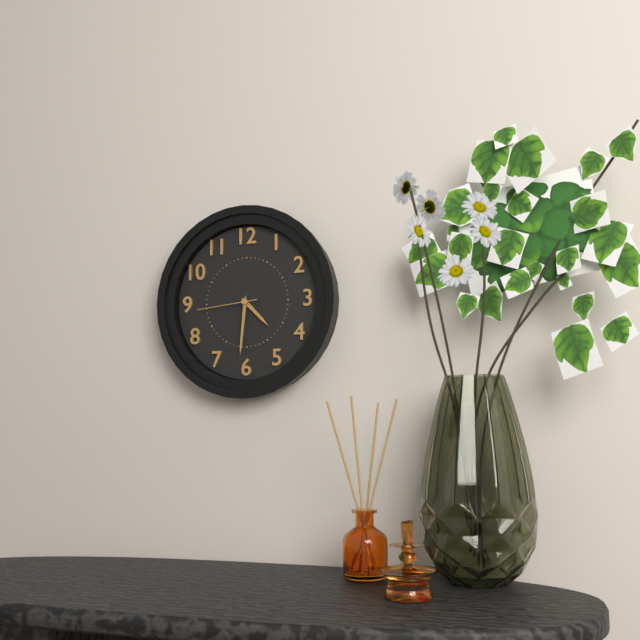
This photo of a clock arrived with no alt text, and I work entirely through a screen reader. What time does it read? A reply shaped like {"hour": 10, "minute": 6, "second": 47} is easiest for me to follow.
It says {"hour": 4, "minute": 31, "second": 44}
